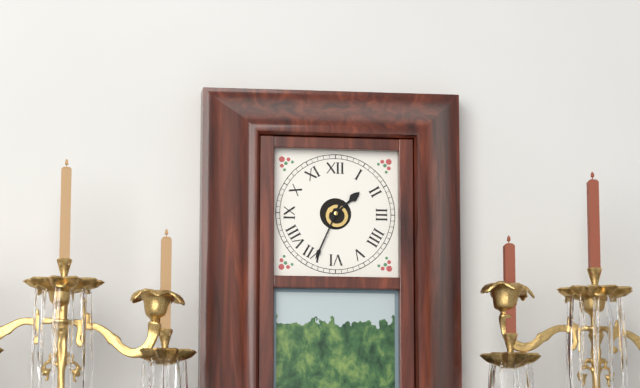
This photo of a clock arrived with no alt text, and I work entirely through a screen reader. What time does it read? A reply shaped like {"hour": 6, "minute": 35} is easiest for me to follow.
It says {"hour": 1, "minute": 34}
